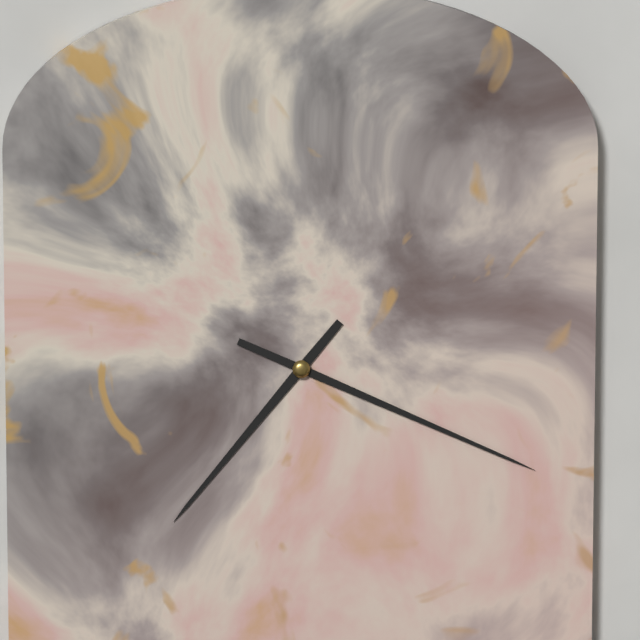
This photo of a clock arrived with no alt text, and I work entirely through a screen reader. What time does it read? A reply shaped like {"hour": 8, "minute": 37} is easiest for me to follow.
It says {"hour": 7, "minute": 19}
